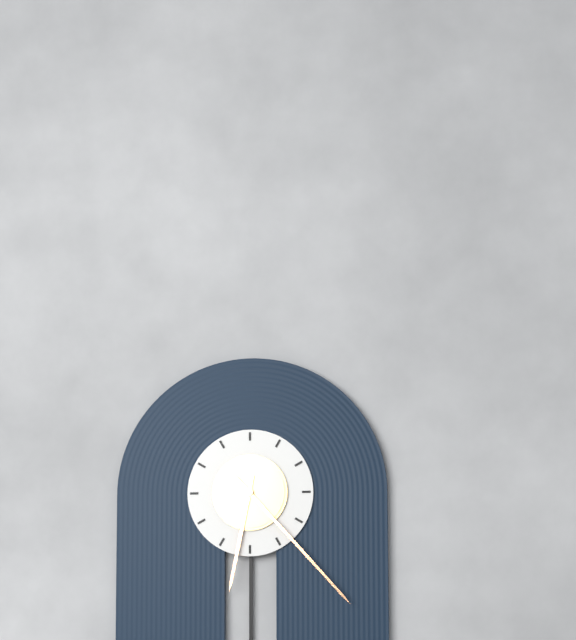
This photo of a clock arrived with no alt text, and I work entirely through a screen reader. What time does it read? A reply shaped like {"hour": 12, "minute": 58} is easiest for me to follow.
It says {"hour": 6, "minute": 23}
